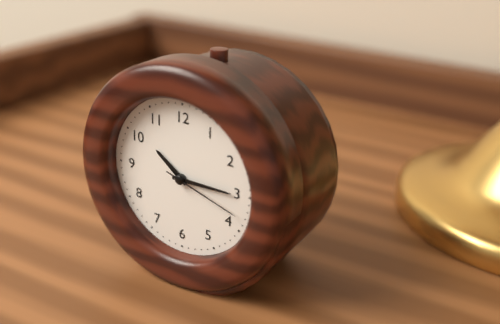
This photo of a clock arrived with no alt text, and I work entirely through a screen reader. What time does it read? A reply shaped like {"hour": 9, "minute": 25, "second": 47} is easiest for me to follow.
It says {"hour": 10, "minute": 15, "second": 18}
